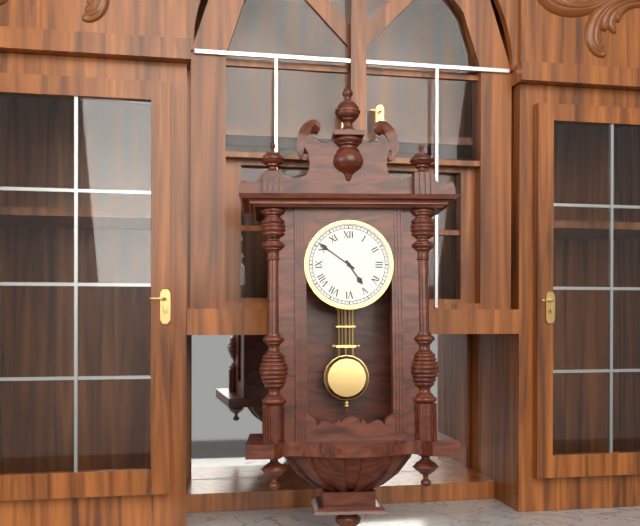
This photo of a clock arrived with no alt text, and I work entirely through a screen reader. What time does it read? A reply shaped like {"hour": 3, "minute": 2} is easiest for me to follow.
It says {"hour": 4, "minute": 51}
